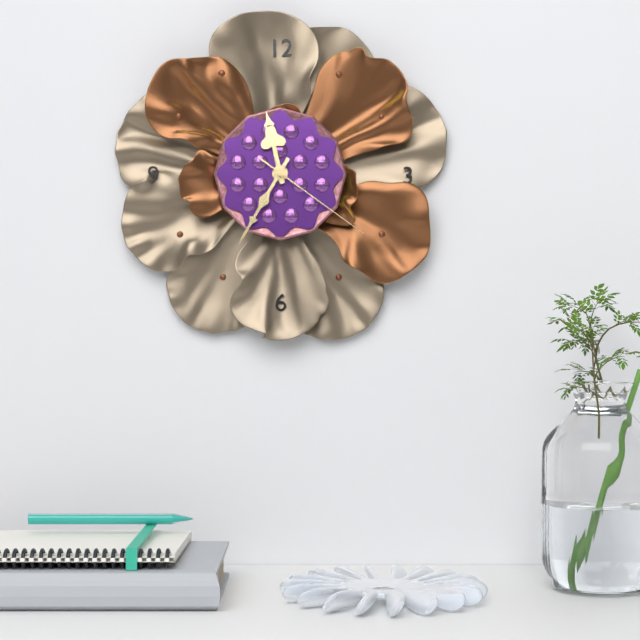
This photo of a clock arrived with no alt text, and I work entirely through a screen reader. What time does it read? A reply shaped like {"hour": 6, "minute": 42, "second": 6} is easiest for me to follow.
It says {"hour": 11, "minute": 35, "second": 21}
